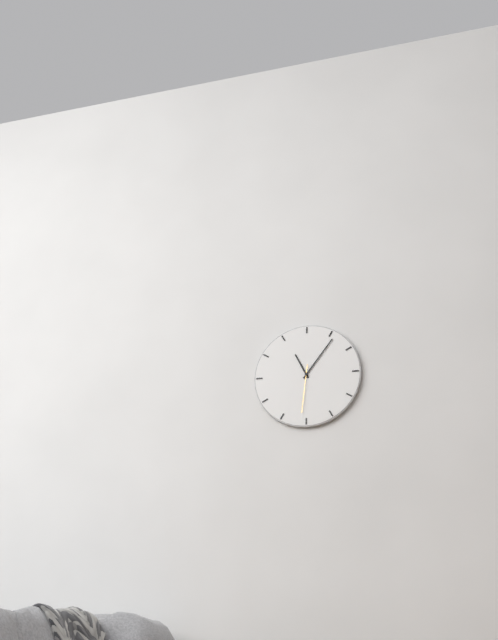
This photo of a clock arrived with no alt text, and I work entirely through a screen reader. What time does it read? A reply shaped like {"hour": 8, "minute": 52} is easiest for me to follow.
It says {"hour": 11, "minute": 6}
